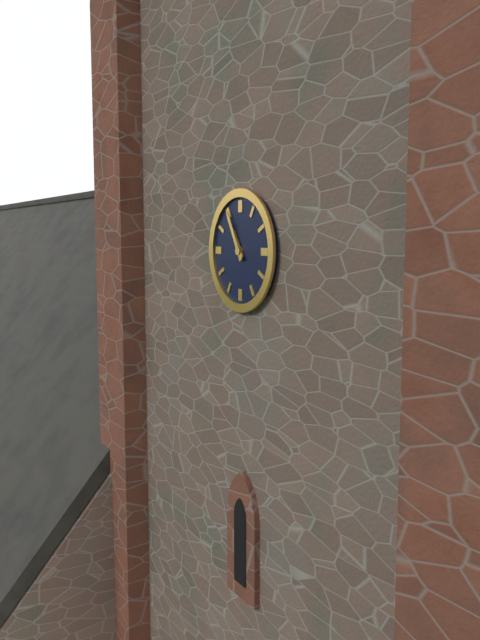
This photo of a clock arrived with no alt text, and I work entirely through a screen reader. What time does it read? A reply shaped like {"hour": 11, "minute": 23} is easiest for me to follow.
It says {"hour": 10, "minute": 55}
